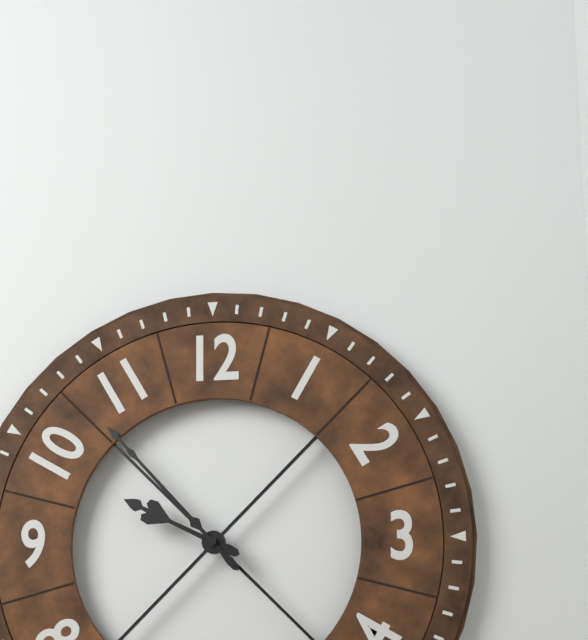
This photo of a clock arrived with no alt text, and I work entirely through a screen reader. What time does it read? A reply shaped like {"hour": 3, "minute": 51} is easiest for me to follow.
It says {"hour": 9, "minute": 53}
